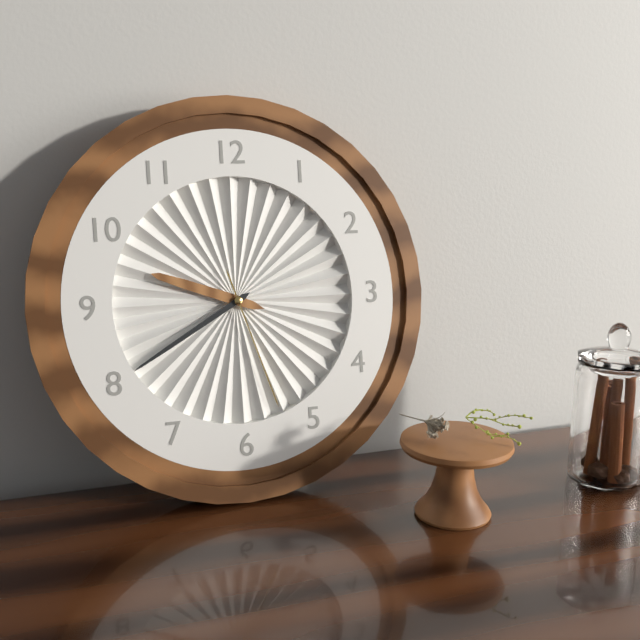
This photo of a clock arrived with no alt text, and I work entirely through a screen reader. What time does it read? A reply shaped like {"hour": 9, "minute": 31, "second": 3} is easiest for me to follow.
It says {"hour": 9, "minute": 40, "second": 27}
